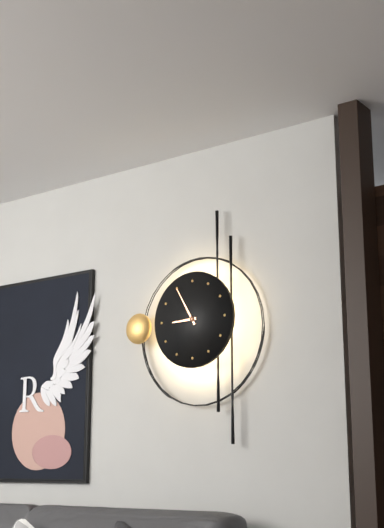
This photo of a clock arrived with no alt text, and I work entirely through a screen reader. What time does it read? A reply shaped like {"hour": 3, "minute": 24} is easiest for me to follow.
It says {"hour": 8, "minute": 55}
